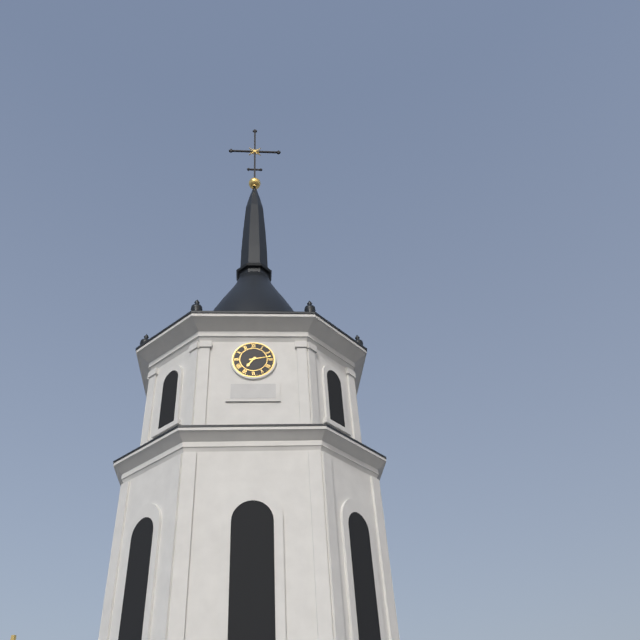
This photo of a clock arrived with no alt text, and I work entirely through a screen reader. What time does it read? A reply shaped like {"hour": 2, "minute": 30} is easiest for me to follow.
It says {"hour": 7, "minute": 13}
